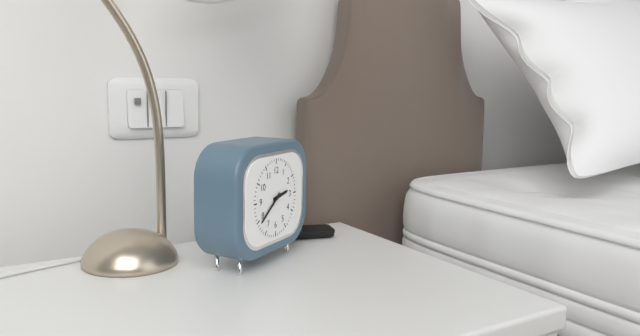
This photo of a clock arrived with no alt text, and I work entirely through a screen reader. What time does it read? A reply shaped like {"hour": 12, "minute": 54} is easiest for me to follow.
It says {"hour": 2, "minute": 39}
